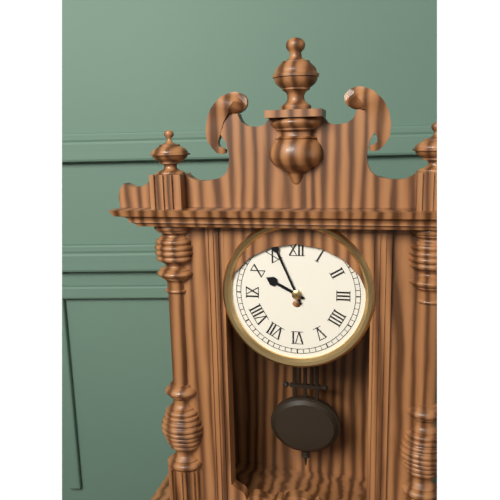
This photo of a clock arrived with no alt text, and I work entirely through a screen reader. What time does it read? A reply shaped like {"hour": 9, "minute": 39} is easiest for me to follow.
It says {"hour": 9, "minute": 56}
